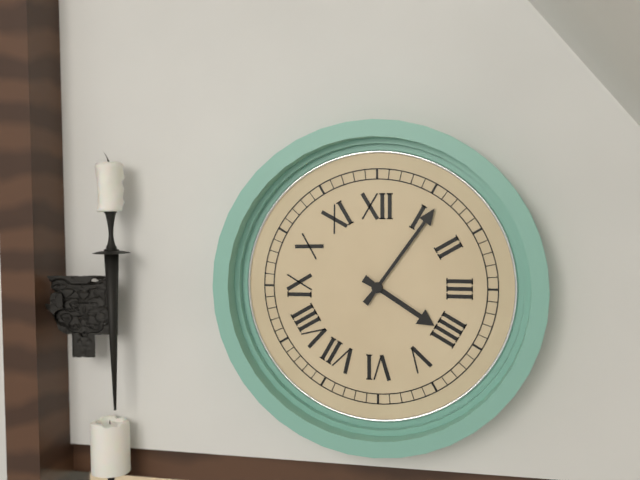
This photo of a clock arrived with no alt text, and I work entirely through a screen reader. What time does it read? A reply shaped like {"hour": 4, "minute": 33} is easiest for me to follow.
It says {"hour": 4, "minute": 6}
